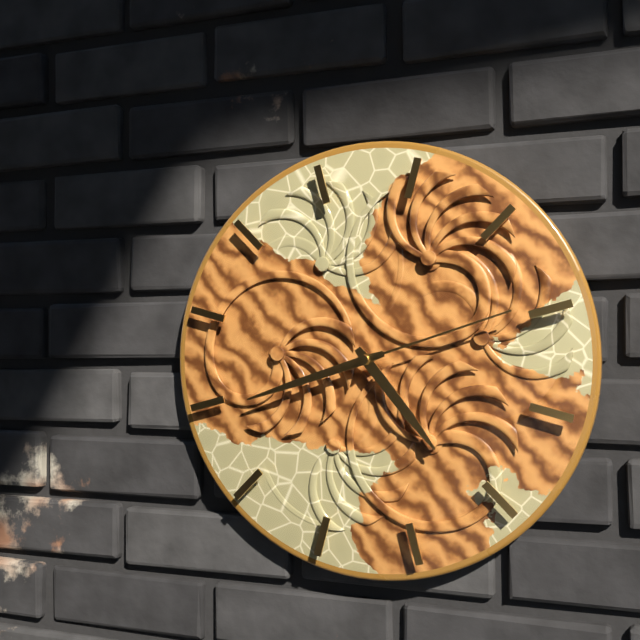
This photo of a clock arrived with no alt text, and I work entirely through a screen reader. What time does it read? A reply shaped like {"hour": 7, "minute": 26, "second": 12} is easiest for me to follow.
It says {"hour": 4, "minute": 42, "second": 12}
